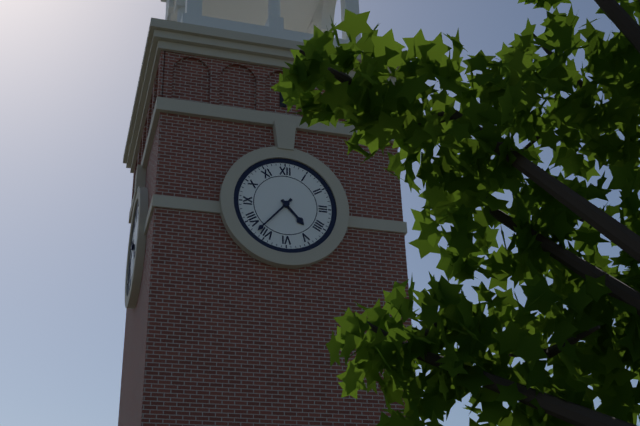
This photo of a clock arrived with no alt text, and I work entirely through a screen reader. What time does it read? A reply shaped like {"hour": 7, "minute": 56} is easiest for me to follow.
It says {"hour": 4, "minute": 37}
